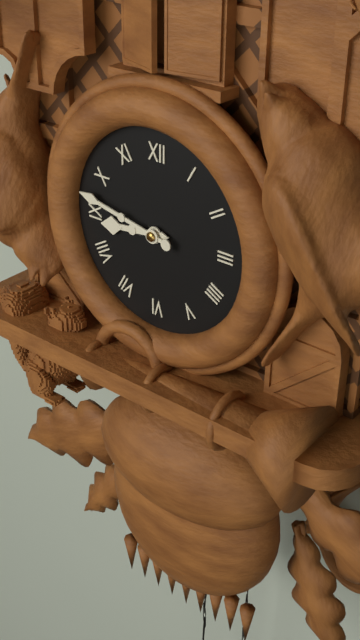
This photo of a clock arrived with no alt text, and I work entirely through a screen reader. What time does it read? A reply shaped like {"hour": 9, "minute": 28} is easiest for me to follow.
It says {"hour": 8, "minute": 47}
